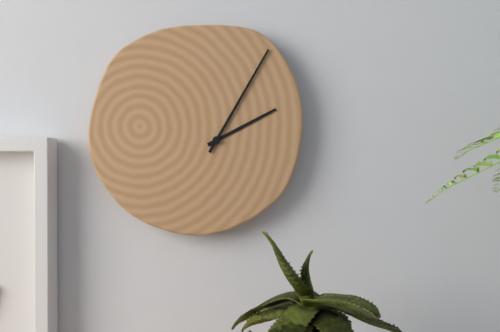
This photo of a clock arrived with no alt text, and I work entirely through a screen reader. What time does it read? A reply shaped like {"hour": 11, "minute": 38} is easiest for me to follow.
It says {"hour": 2, "minute": 5}
